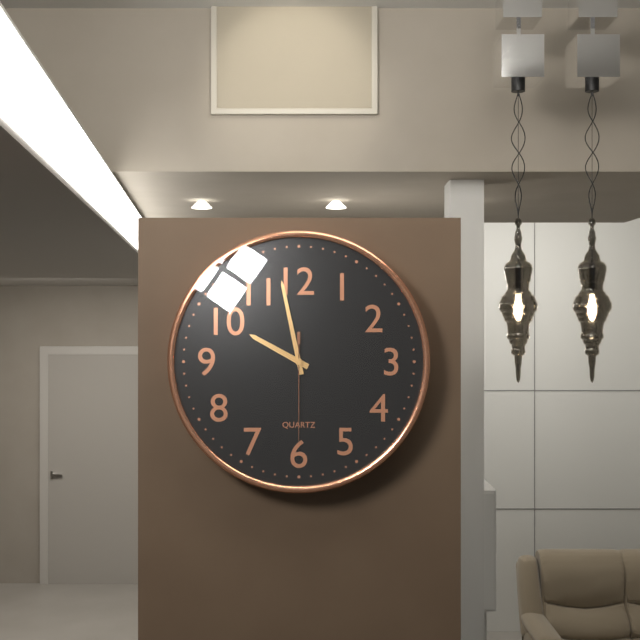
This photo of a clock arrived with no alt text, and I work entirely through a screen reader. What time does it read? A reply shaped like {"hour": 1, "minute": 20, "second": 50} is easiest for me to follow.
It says {"hour": 9, "minute": 58, "second": 30}
